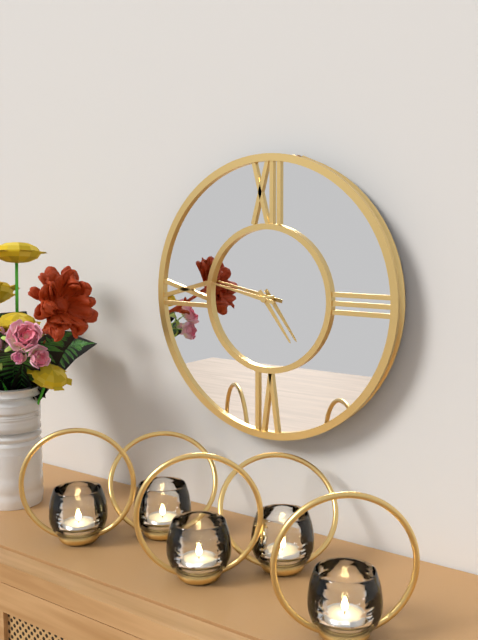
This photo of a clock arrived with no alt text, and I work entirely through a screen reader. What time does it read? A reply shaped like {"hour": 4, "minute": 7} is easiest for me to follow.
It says {"hour": 4, "minute": 47}
